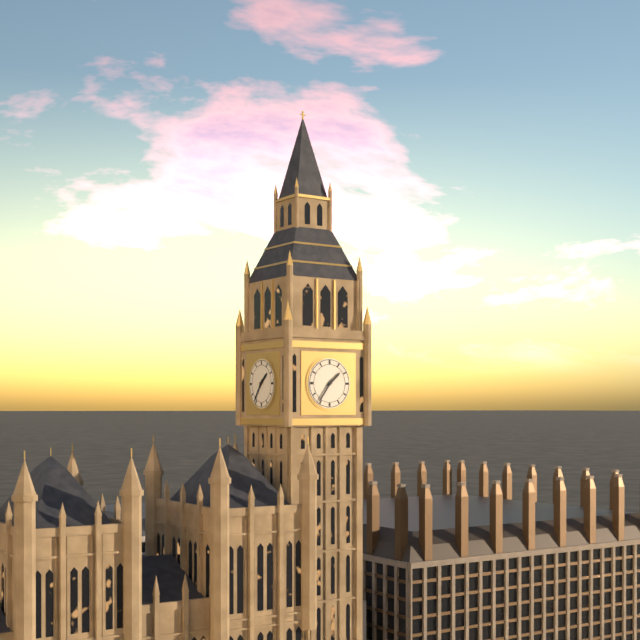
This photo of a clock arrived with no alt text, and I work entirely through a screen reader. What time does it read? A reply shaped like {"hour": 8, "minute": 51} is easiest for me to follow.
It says {"hour": 1, "minute": 36}
